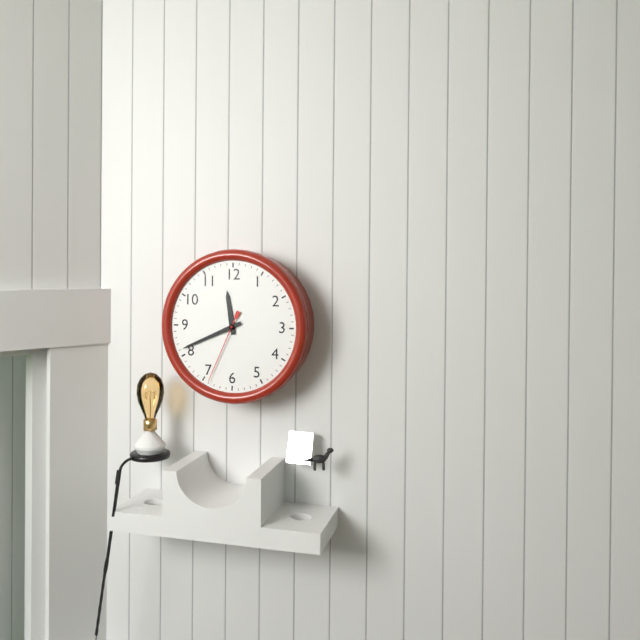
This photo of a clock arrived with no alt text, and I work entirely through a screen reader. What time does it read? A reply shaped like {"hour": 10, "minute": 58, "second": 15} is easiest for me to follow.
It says {"hour": 11, "minute": 41, "second": 34}
